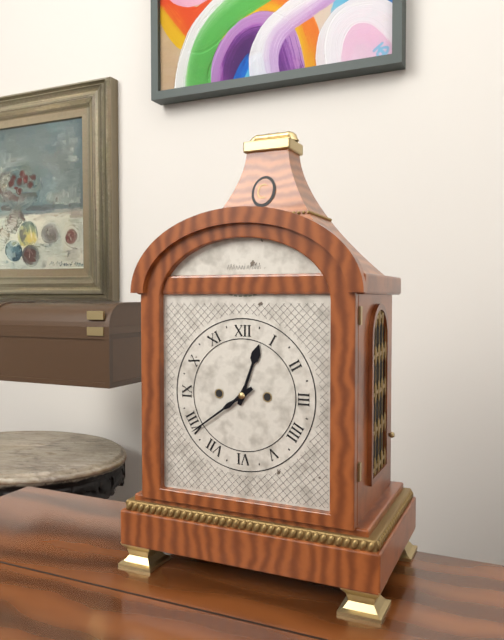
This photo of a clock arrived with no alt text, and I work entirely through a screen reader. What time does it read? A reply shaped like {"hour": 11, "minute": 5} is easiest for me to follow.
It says {"hour": 12, "minute": 39}
